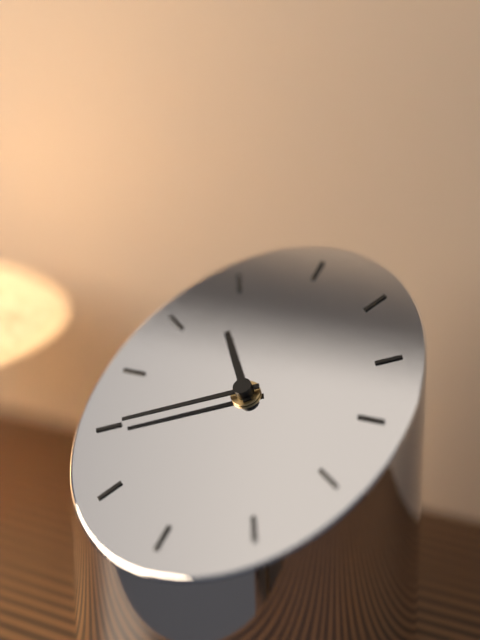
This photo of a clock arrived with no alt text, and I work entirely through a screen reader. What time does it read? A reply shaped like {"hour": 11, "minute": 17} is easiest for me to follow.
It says {"hour": 10, "minute": 40}
